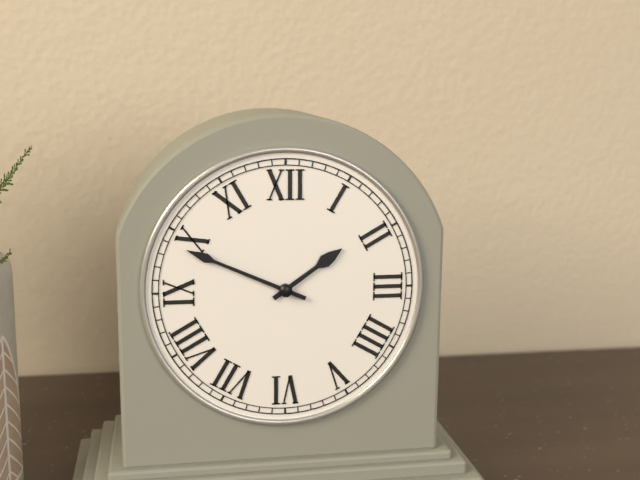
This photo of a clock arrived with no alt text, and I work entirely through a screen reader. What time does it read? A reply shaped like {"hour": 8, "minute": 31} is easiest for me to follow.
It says {"hour": 1, "minute": 49}
